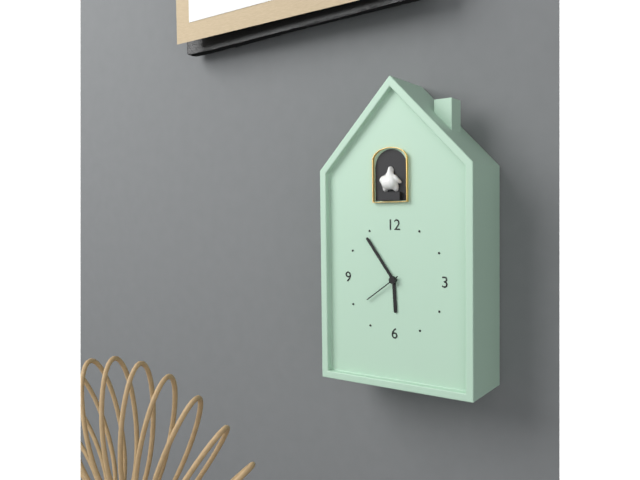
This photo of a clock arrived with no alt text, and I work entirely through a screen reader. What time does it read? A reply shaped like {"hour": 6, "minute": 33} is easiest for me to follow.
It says {"hour": 5, "minute": 54}
